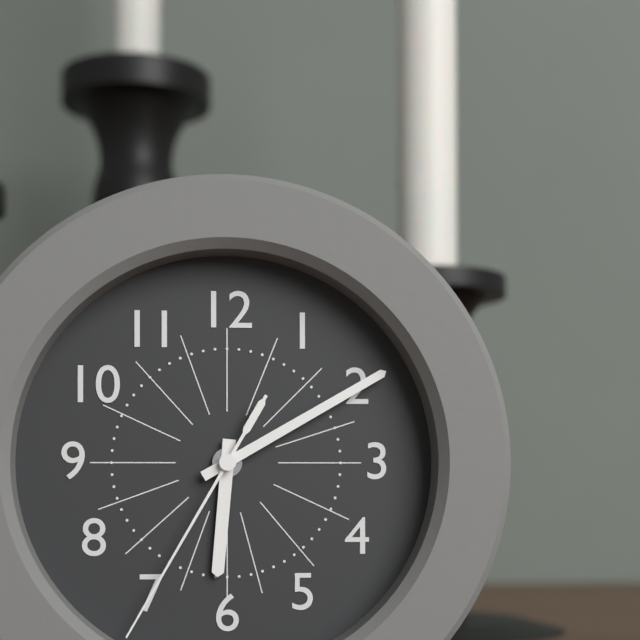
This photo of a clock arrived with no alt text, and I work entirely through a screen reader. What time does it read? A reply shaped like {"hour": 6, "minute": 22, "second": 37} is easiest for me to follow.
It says {"hour": 6, "minute": 10, "second": 35}
